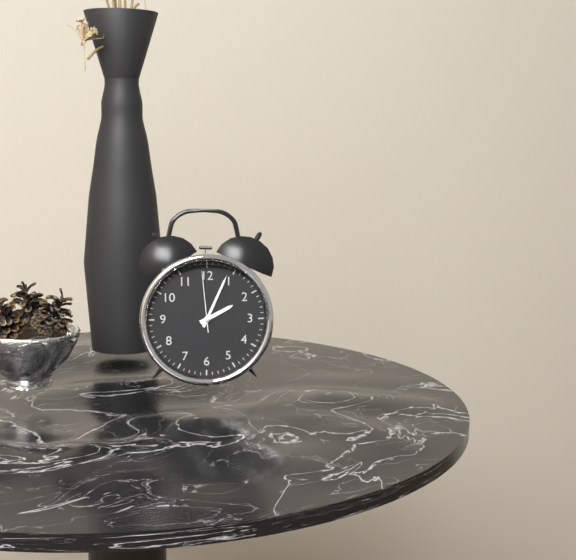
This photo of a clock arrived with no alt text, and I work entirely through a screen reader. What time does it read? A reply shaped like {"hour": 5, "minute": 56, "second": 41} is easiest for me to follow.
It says {"hour": 2, "minute": 4, "second": 59}
